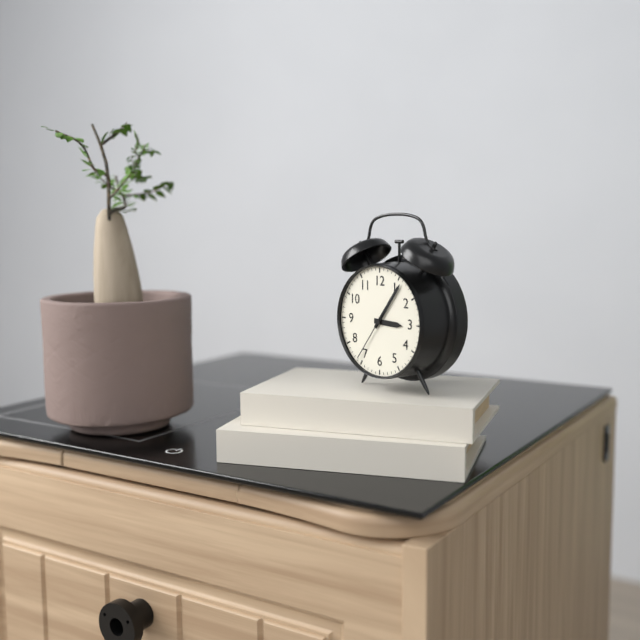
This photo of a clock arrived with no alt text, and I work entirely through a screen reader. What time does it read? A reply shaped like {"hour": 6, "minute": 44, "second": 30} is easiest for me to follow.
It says {"hour": 3, "minute": 6, "second": 36}
